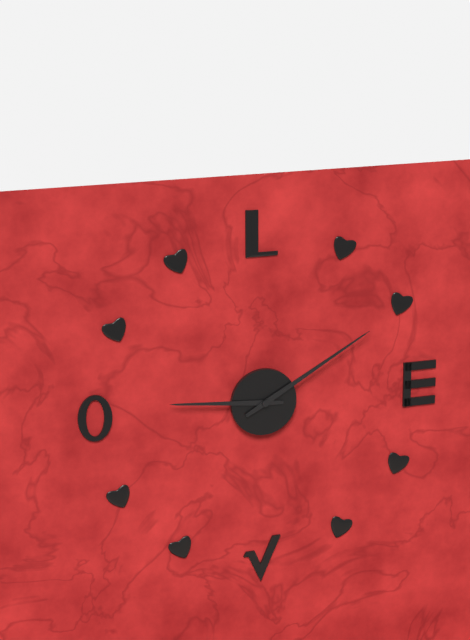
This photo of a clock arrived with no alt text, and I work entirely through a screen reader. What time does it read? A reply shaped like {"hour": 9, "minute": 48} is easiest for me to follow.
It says {"hour": 9, "minute": 10}
